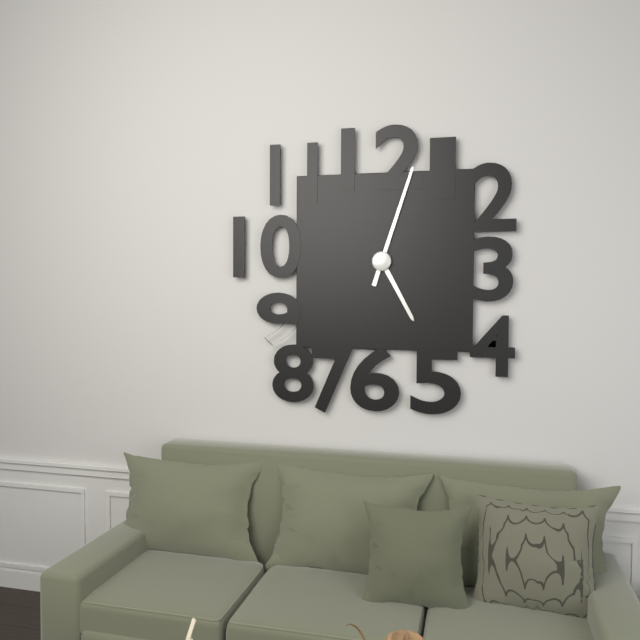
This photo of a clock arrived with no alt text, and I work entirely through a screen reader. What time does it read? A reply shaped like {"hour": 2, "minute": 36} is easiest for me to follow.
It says {"hour": 5, "minute": 3}
